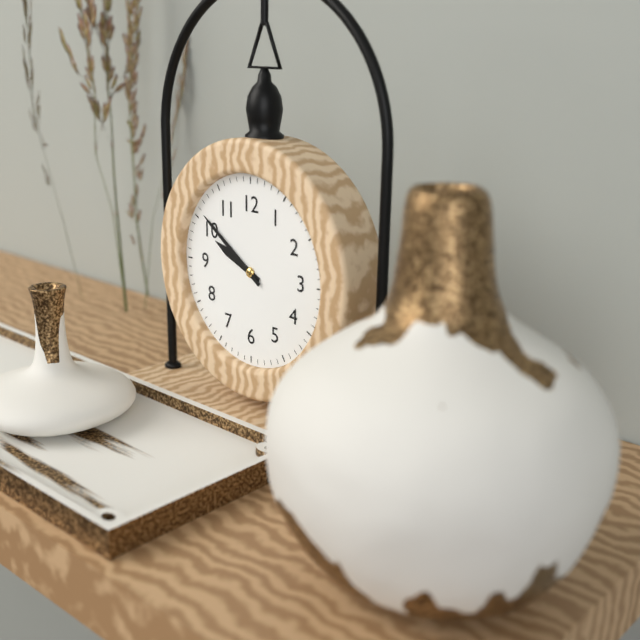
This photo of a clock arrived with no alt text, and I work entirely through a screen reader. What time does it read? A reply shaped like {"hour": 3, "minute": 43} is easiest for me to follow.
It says {"hour": 9, "minute": 51}
